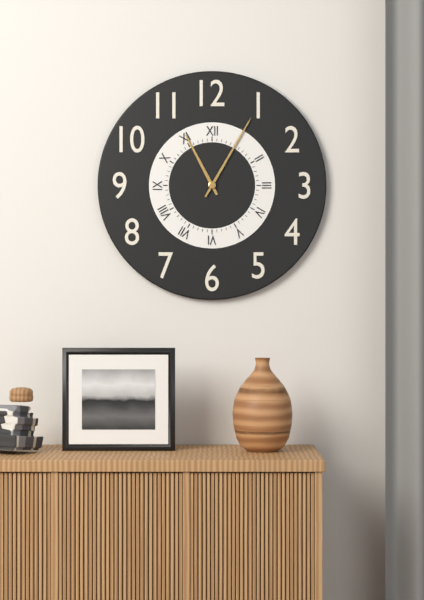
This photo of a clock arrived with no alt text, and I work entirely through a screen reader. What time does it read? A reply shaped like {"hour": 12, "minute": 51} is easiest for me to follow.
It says {"hour": 11, "minute": 5}
